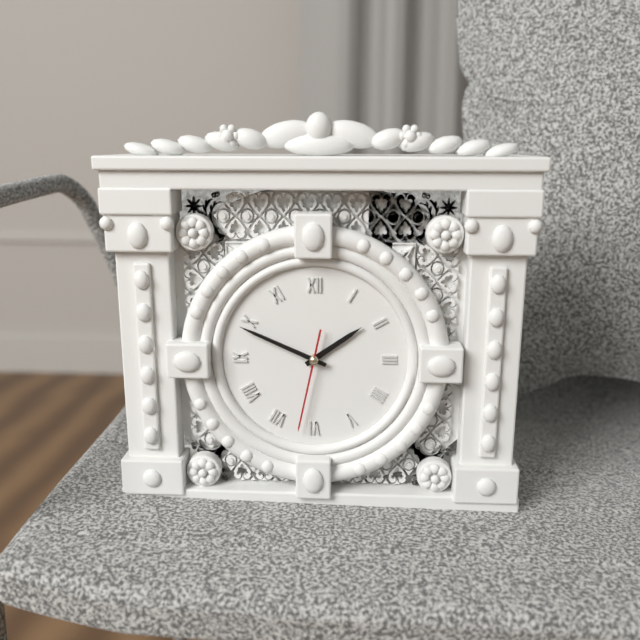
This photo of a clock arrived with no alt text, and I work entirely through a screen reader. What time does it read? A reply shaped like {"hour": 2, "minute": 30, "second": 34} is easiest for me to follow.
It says {"hour": 1, "minute": 49, "second": 32}
